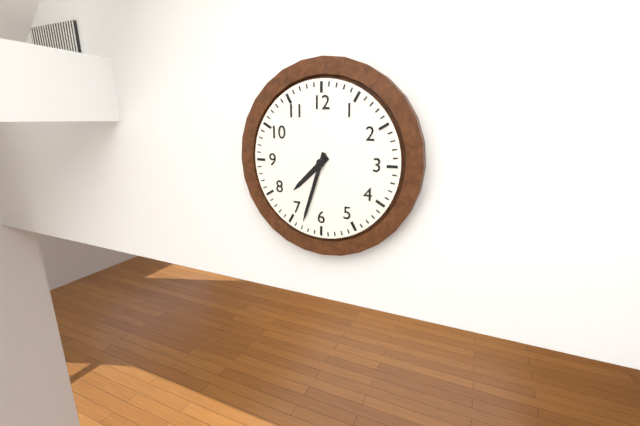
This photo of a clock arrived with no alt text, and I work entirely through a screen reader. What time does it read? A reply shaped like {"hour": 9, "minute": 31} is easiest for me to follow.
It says {"hour": 7, "minute": 33}
